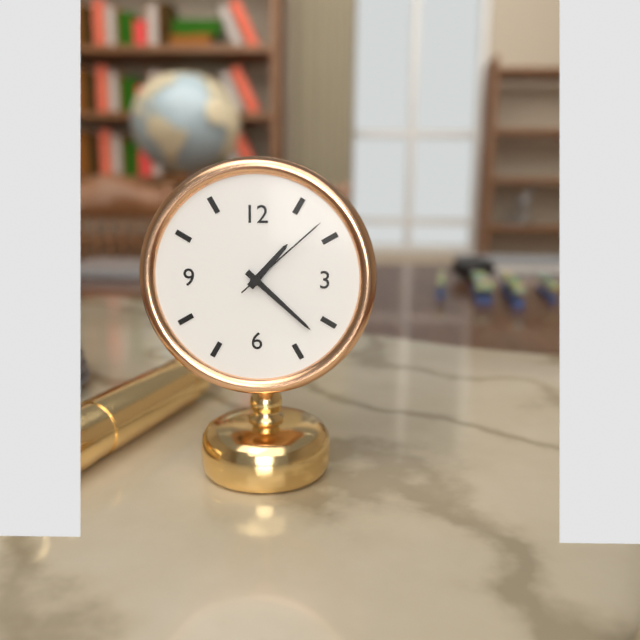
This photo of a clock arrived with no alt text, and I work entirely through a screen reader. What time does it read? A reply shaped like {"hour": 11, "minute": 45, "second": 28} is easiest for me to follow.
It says {"hour": 1, "minute": 22, "second": 8}
